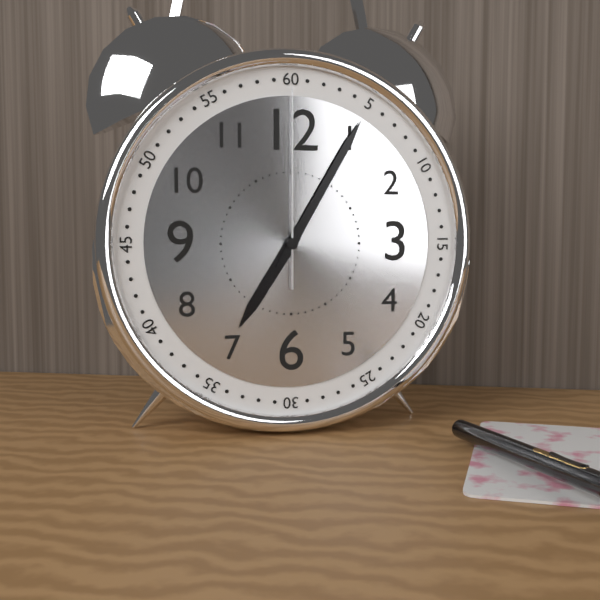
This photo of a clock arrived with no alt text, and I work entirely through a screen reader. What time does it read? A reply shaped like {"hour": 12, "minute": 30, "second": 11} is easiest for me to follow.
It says {"hour": 7, "minute": 5, "second": 0}
